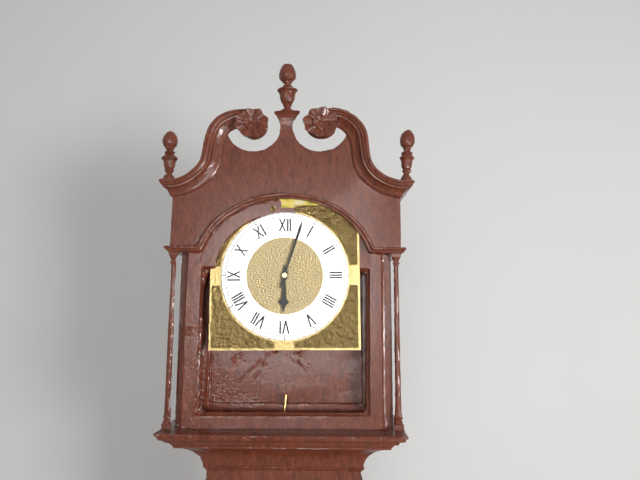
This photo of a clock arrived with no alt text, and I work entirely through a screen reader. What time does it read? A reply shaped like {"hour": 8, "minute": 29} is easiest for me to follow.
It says {"hour": 6, "minute": 3}
